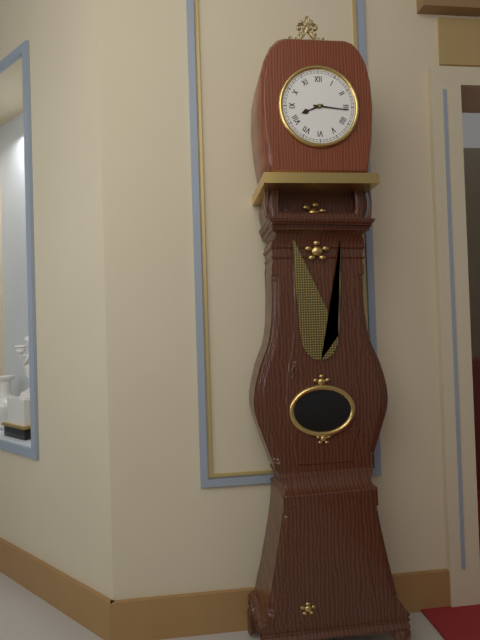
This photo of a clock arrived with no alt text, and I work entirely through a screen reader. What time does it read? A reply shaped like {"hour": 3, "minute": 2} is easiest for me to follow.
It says {"hour": 8, "minute": 16}
